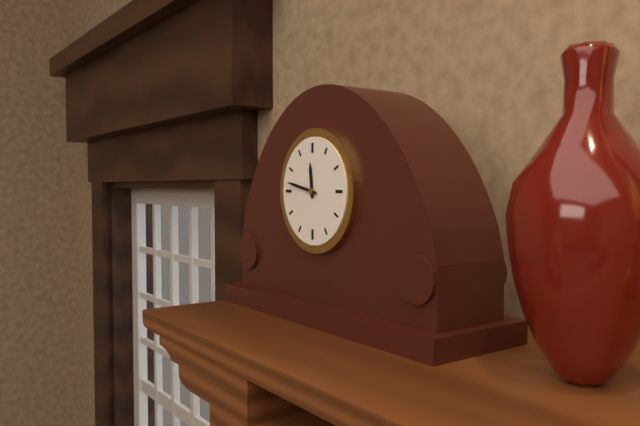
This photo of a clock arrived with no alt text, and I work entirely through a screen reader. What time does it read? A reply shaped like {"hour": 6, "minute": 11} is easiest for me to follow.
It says {"hour": 11, "minute": 47}
